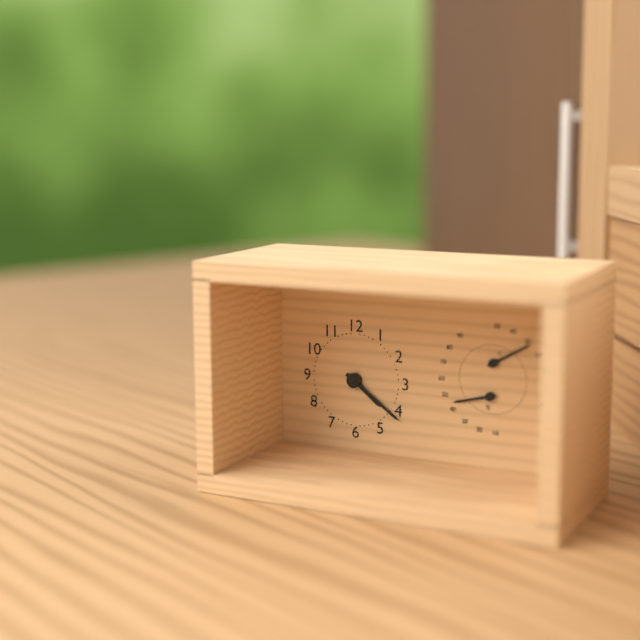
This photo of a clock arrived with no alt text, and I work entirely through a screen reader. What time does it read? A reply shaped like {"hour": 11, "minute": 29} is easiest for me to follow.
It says {"hour": 4, "minute": 21}
